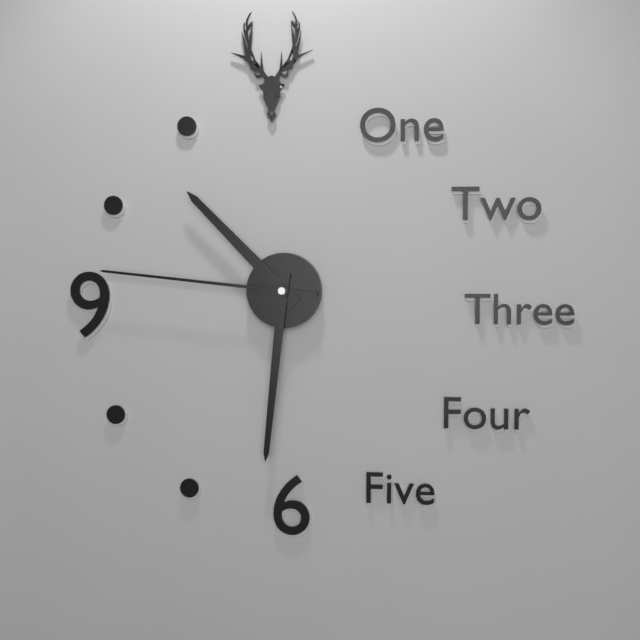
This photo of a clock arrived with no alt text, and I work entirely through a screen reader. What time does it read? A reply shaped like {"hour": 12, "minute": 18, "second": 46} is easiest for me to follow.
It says {"hour": 10, "minute": 31, "second": 46}
